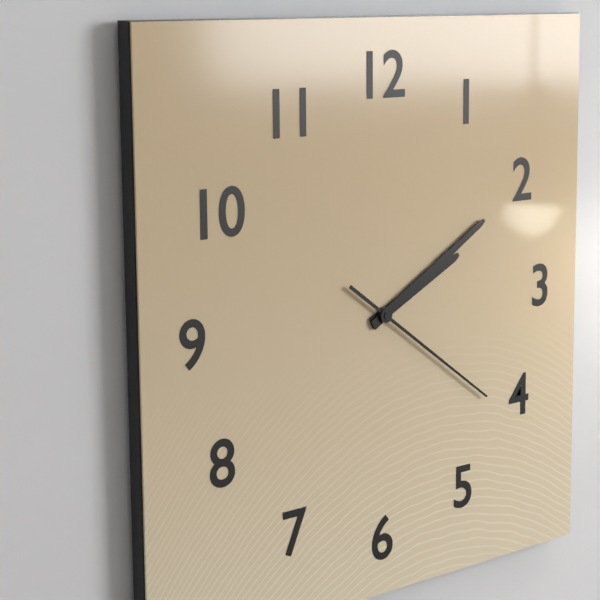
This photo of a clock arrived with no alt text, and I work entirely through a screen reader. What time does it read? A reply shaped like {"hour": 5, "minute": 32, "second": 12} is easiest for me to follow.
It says {"hour": 2, "minute": 10, "second": 21}
